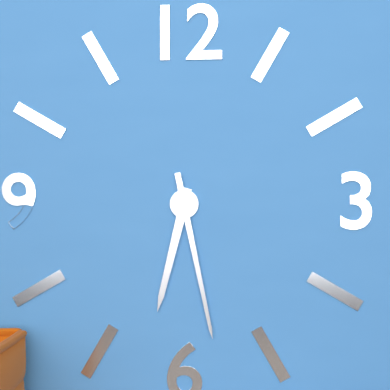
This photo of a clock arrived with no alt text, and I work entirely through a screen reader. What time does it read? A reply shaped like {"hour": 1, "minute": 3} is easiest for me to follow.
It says {"hour": 6, "minute": 28}
